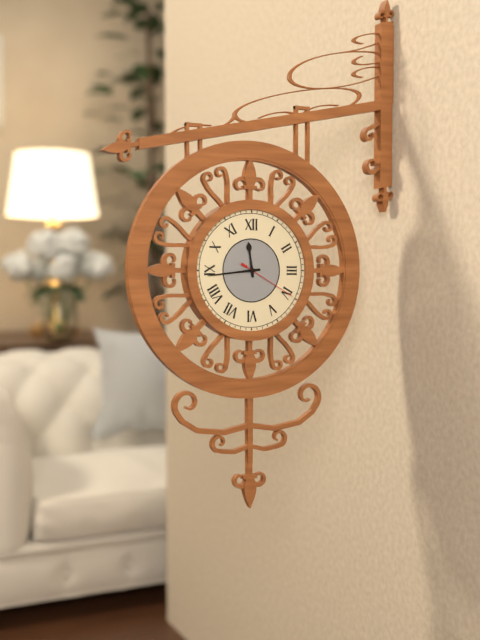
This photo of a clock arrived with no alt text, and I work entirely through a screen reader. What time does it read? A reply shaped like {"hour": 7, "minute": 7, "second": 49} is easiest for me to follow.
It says {"hour": 11, "minute": 44, "second": 20}
